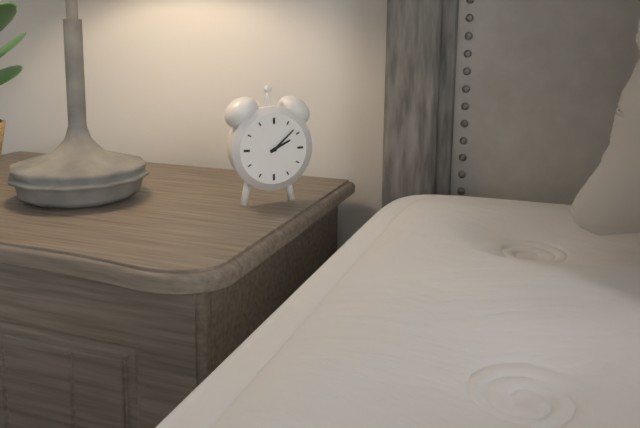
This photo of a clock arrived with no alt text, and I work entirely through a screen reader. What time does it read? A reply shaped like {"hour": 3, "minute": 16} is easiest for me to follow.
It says {"hour": 2, "minute": 8}
